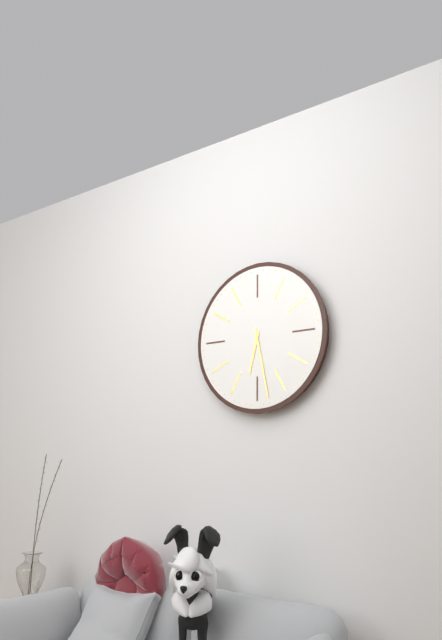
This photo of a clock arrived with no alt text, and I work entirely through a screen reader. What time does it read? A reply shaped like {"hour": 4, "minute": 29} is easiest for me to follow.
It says {"hour": 6, "minute": 28}
